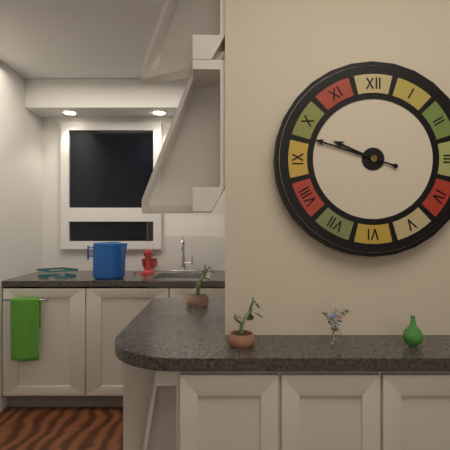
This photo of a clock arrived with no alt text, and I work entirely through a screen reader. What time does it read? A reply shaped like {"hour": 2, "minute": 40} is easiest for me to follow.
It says {"hour": 9, "minute": 48}
